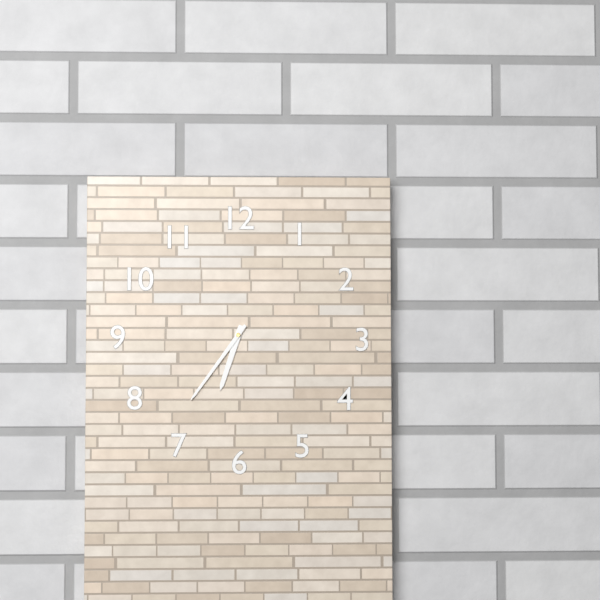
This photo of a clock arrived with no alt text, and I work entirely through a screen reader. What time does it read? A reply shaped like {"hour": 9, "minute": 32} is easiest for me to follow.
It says {"hour": 6, "minute": 36}
